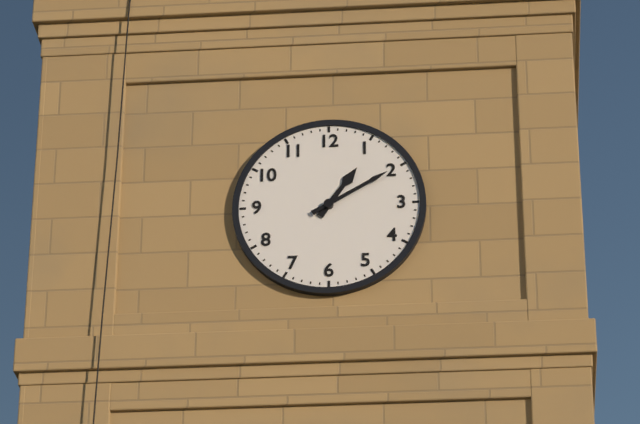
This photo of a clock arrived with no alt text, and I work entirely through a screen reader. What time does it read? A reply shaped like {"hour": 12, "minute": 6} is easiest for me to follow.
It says {"hour": 1, "minute": 10}
